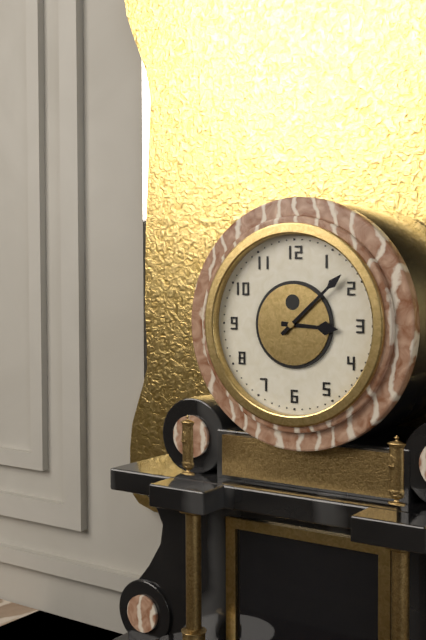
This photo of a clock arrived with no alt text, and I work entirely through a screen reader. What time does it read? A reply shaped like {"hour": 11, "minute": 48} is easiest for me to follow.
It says {"hour": 3, "minute": 8}
